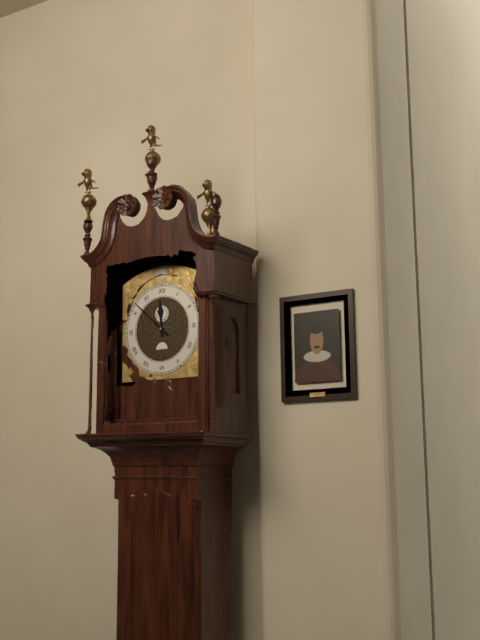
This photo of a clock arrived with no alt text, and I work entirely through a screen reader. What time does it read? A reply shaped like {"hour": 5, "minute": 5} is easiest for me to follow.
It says {"hour": 11, "minute": 52}
